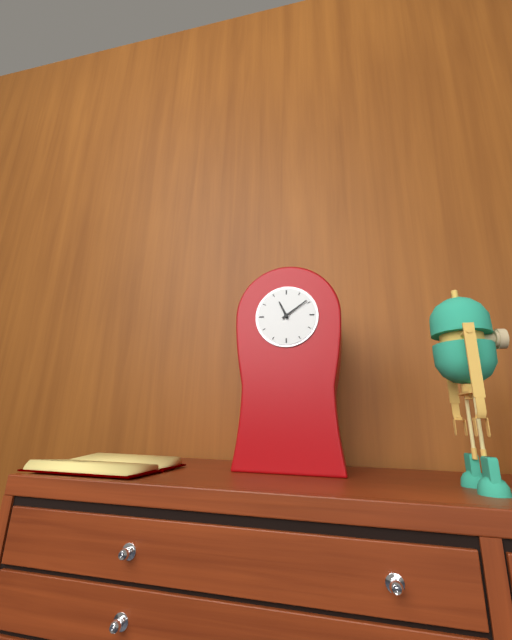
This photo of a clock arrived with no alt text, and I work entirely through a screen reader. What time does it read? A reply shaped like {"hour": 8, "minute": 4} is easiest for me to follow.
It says {"hour": 11, "minute": 9}
